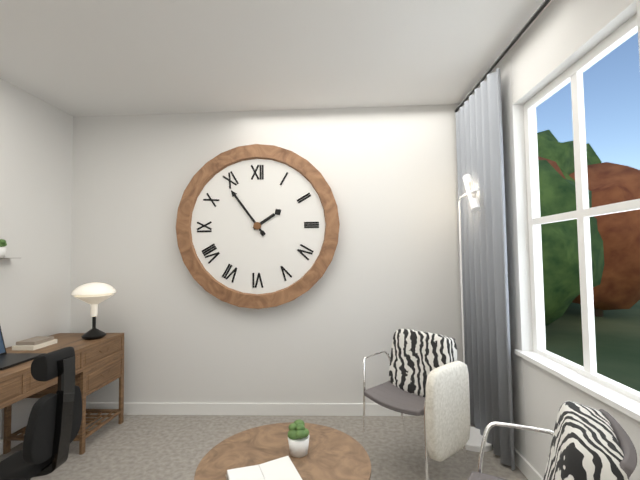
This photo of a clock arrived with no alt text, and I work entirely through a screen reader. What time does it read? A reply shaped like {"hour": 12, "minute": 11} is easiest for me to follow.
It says {"hour": 1, "minute": 54}
